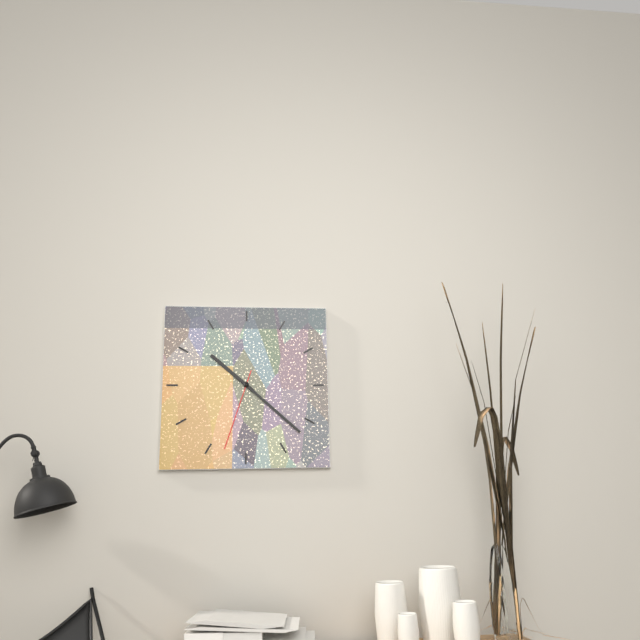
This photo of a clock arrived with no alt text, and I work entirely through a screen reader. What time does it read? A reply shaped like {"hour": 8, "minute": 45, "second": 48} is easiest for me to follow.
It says {"hour": 10, "minute": 22, "second": 33}
